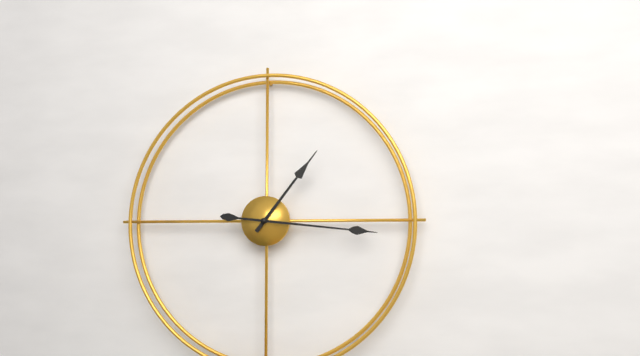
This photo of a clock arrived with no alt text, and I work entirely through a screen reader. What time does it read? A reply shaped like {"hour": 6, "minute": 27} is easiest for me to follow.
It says {"hour": 1, "minute": 16}
